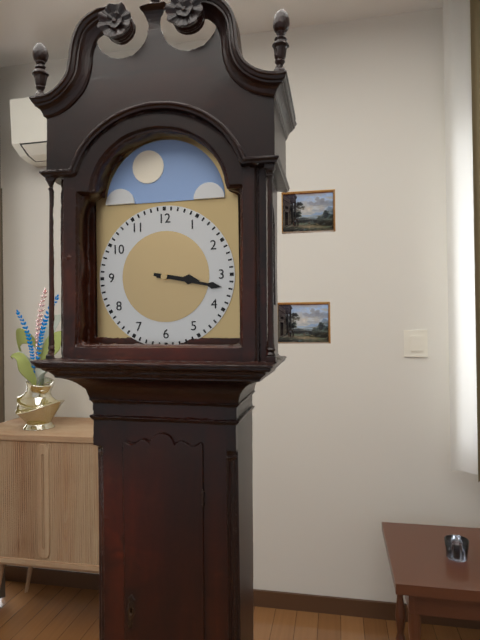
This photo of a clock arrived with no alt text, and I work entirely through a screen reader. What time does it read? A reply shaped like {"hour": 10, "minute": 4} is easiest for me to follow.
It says {"hour": 3, "minute": 17}
